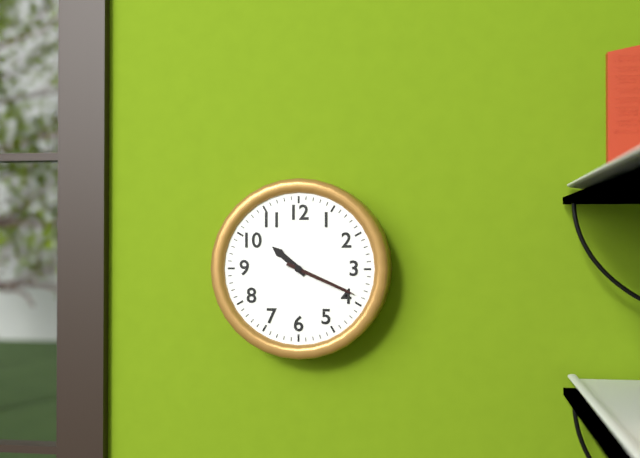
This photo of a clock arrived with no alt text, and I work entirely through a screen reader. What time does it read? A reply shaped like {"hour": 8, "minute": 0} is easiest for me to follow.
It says {"hour": 10, "minute": 19}
